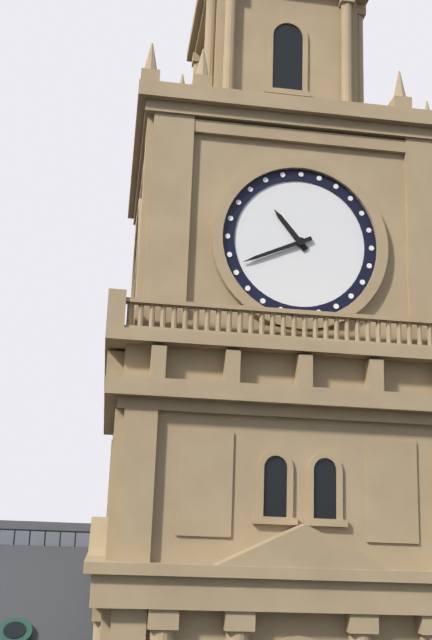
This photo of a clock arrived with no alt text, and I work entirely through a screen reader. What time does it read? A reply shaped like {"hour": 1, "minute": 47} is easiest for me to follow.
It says {"hour": 10, "minute": 41}
